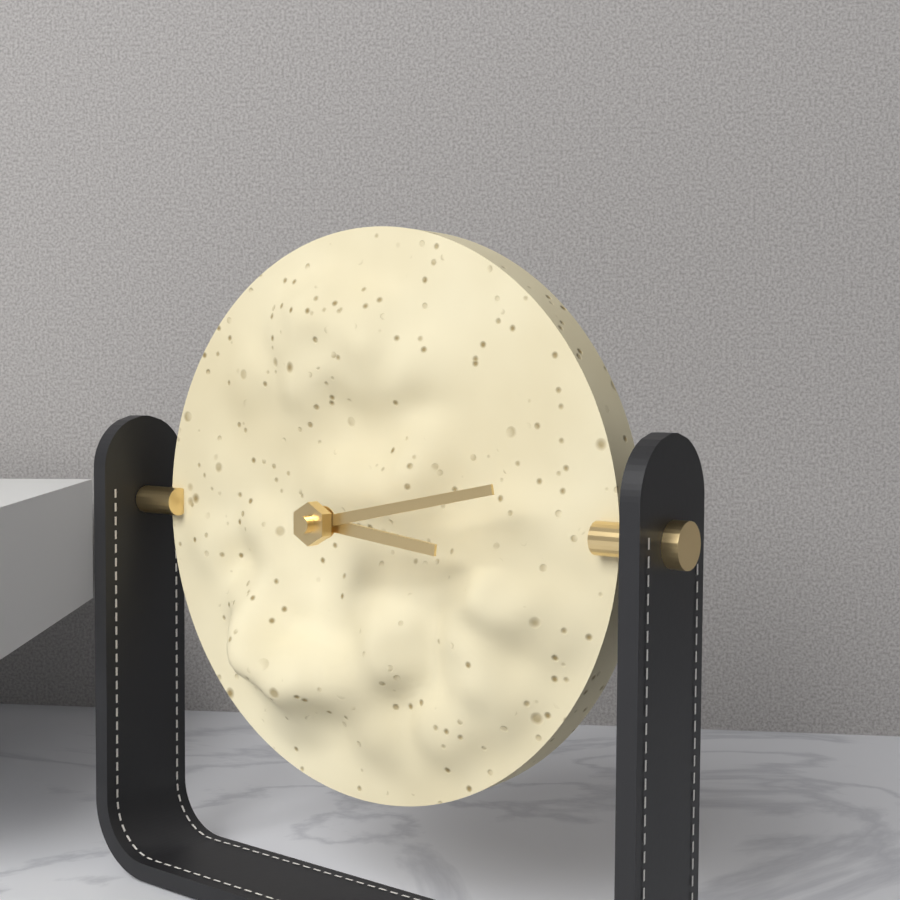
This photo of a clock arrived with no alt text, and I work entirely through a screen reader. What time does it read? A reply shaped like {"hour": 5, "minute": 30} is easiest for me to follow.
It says {"hour": 3, "minute": 13}
